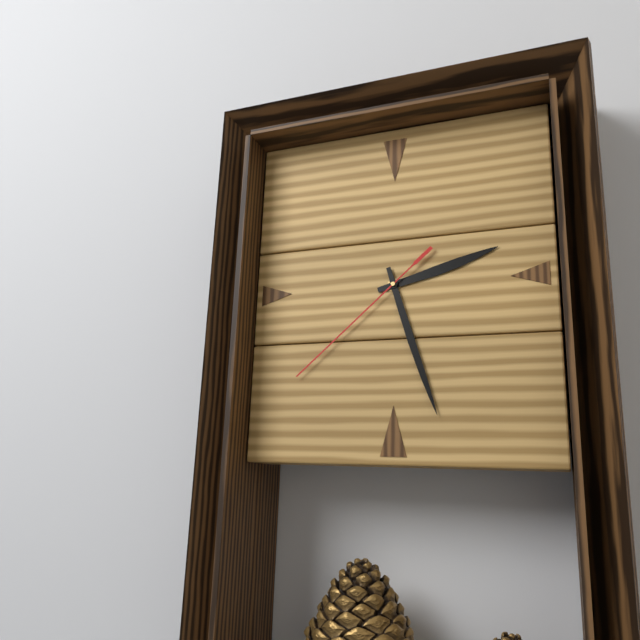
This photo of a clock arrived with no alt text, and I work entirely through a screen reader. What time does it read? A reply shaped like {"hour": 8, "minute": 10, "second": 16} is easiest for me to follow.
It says {"hour": 2, "minute": 27, "second": 38}
